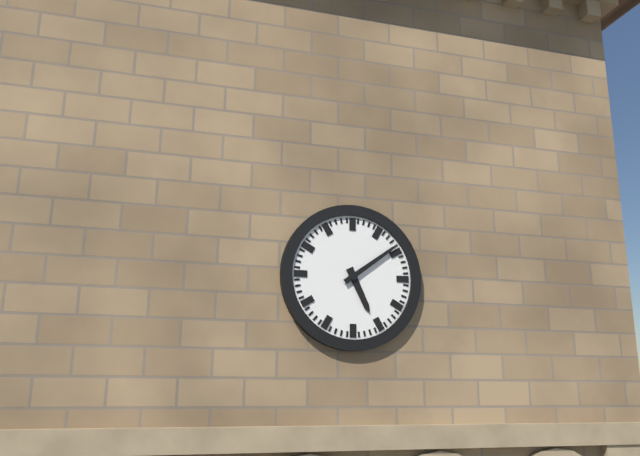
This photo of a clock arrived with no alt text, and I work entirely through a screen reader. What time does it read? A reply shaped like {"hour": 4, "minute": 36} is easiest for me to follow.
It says {"hour": 5, "minute": 9}
